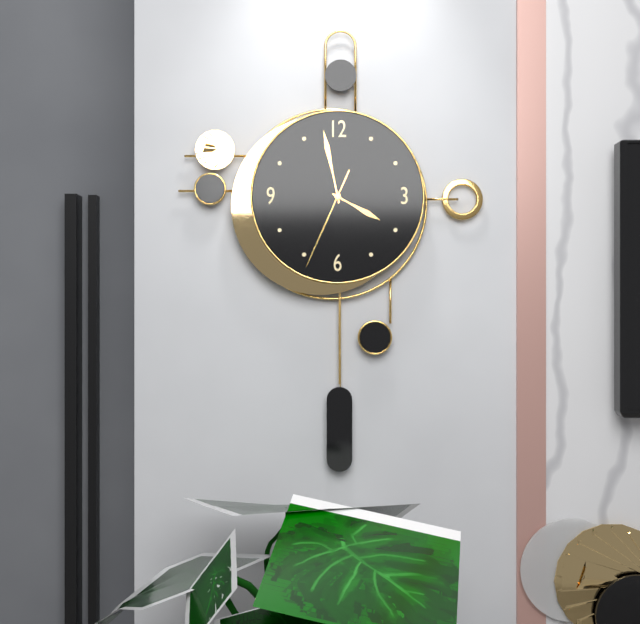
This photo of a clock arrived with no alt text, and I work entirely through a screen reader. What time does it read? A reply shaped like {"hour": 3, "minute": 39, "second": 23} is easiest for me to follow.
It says {"hour": 3, "minute": 58, "second": 34}
